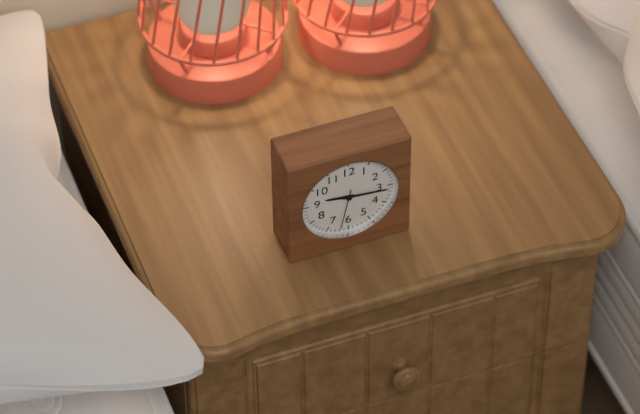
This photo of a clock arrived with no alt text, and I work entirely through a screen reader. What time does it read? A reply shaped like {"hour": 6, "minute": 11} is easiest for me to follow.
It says {"hour": 9, "minute": 16}
